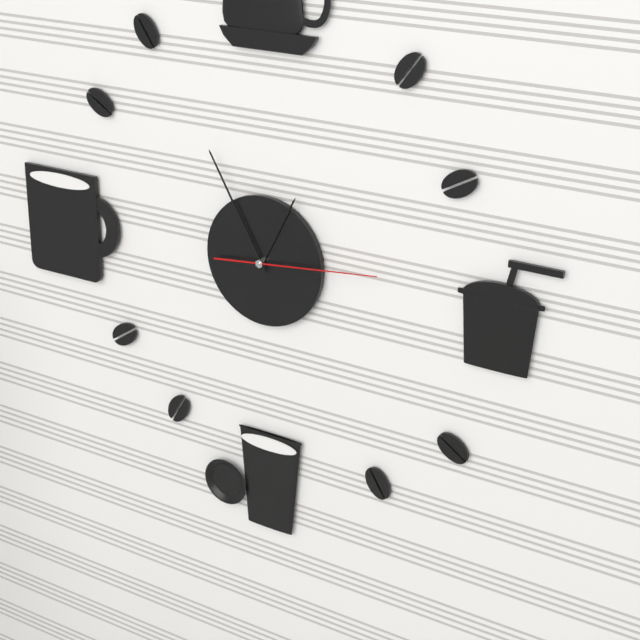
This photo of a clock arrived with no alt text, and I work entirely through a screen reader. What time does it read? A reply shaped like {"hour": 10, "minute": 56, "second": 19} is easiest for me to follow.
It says {"hour": 12, "minute": 55, "second": 14}
